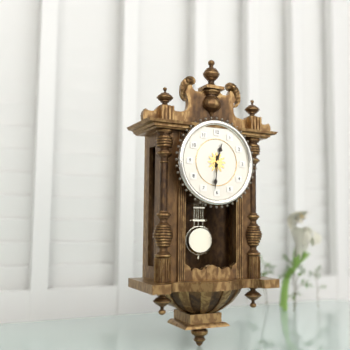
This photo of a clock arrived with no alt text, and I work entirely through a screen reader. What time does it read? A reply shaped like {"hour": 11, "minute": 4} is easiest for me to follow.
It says {"hour": 12, "minute": 31}
